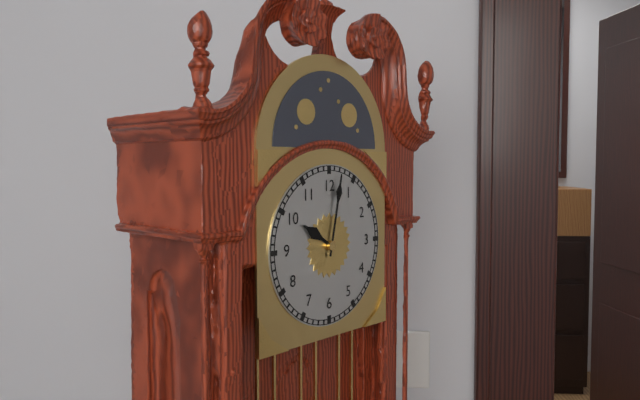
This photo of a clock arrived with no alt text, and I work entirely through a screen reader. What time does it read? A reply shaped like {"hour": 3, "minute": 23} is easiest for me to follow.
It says {"hour": 10, "minute": 2}
